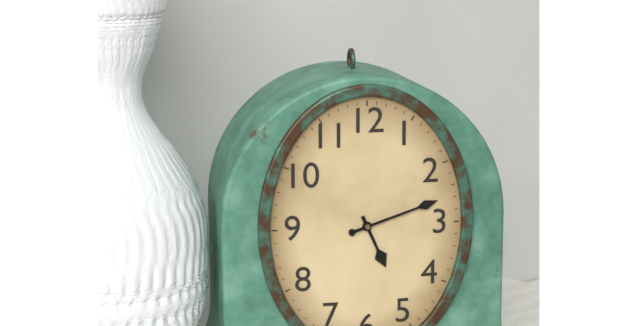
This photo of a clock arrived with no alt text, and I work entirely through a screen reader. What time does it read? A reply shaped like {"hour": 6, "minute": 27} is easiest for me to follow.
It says {"hour": 5, "minute": 12}
